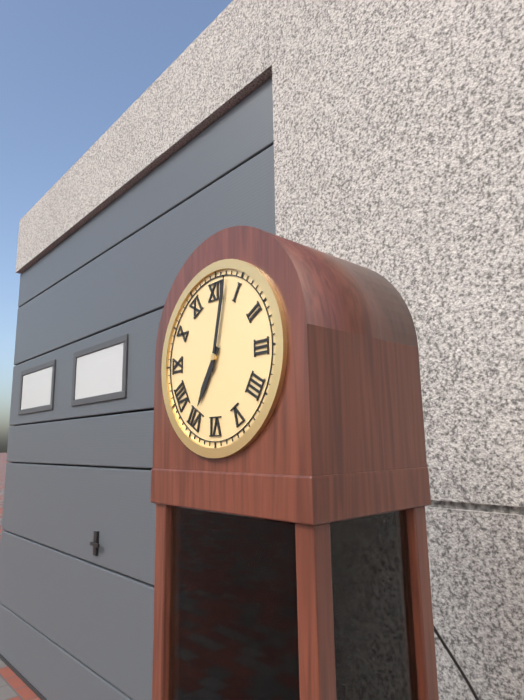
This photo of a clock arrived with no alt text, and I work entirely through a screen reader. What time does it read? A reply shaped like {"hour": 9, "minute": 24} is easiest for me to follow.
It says {"hour": 7, "minute": 2}
